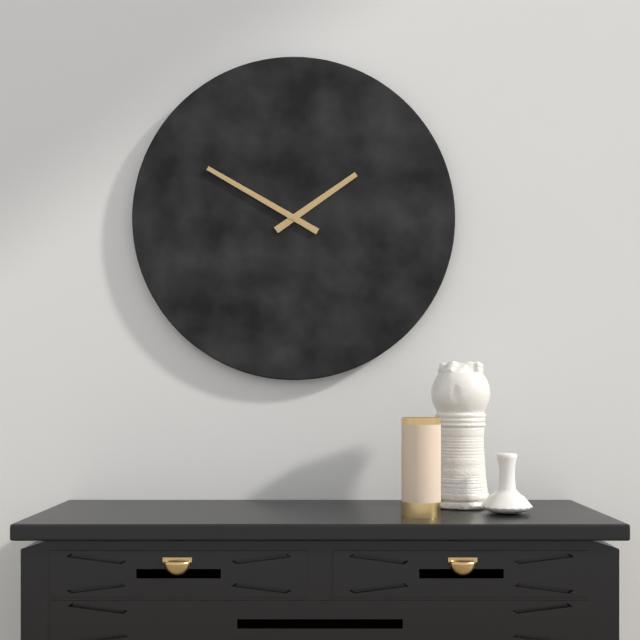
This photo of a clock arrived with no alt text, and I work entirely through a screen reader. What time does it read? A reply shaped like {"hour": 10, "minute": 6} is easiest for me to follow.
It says {"hour": 1, "minute": 50}
